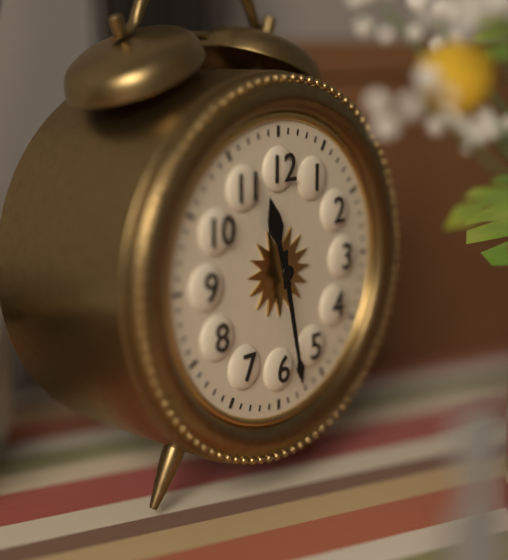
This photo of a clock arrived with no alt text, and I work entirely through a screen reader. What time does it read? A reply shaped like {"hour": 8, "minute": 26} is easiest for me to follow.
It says {"hour": 11, "minute": 28}
